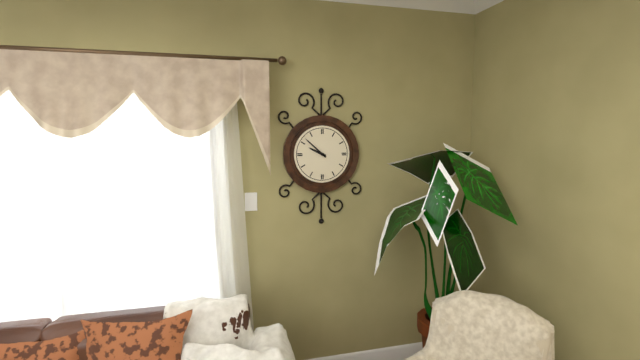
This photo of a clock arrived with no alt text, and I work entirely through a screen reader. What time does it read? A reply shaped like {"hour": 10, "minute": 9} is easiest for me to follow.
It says {"hour": 9, "minute": 52}
